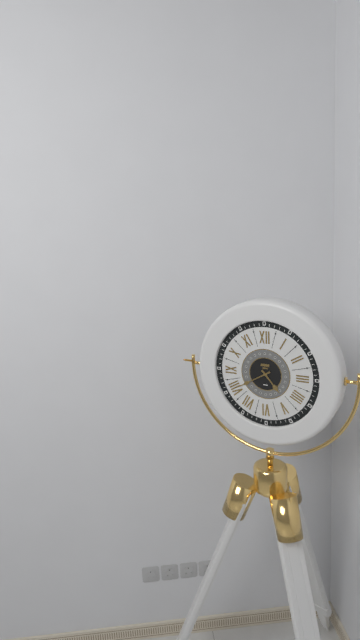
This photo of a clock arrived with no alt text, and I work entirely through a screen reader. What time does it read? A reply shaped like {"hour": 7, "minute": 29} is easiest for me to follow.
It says {"hour": 4, "minute": 40}
